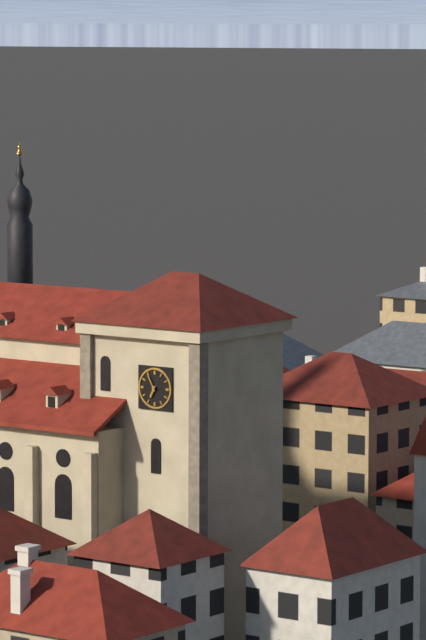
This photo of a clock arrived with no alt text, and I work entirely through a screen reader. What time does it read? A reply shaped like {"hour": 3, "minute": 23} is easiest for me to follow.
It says {"hour": 6, "minute": 55}
